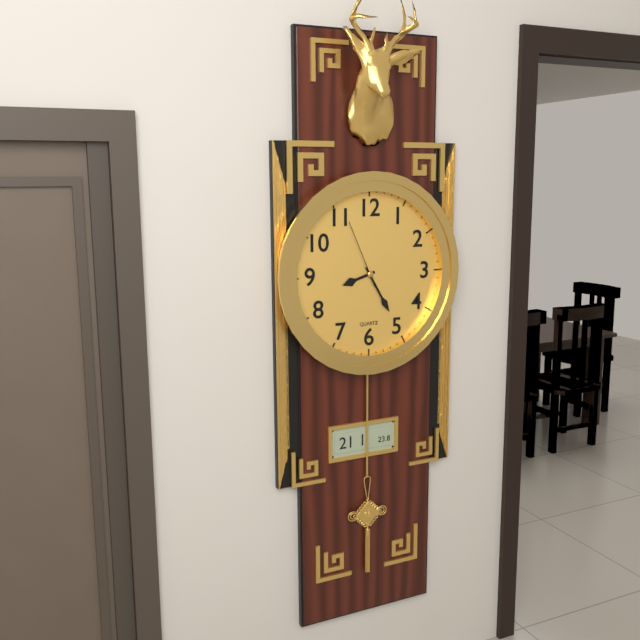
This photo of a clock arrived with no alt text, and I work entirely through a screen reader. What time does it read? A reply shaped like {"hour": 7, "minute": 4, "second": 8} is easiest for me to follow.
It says {"hour": 8, "minute": 25, "second": 56}
